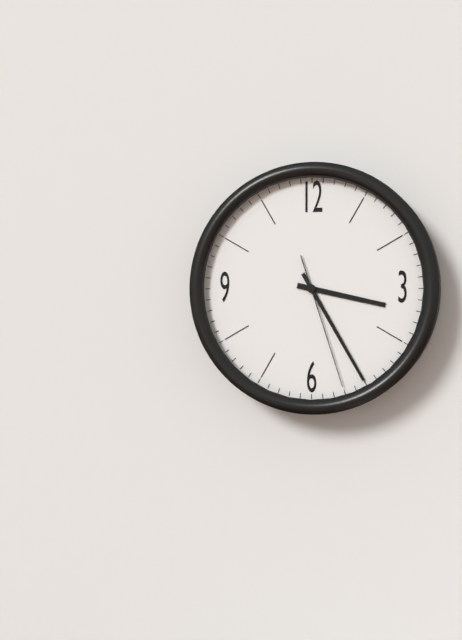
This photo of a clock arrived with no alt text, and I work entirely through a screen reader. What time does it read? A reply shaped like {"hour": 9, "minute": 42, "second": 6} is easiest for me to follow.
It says {"hour": 3, "minute": 25, "second": 27}
